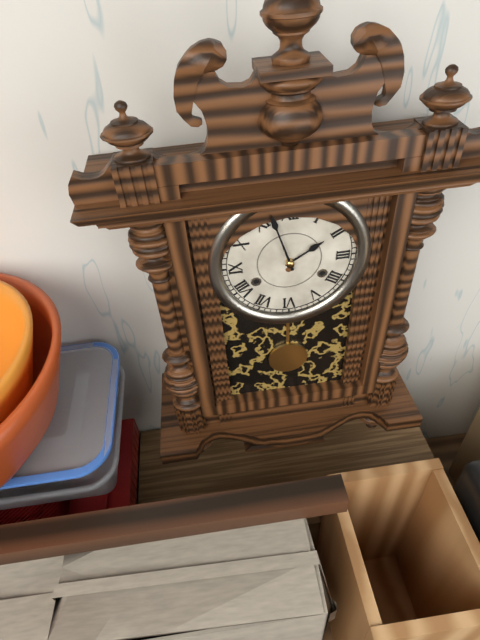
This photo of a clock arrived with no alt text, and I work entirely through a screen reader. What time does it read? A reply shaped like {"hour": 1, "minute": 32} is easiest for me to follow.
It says {"hour": 1, "minute": 57}
